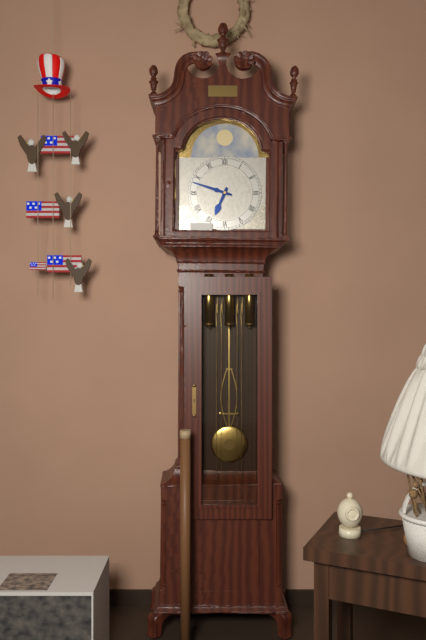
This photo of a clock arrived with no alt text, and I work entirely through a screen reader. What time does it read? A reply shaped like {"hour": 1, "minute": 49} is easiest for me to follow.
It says {"hour": 6, "minute": 48}
